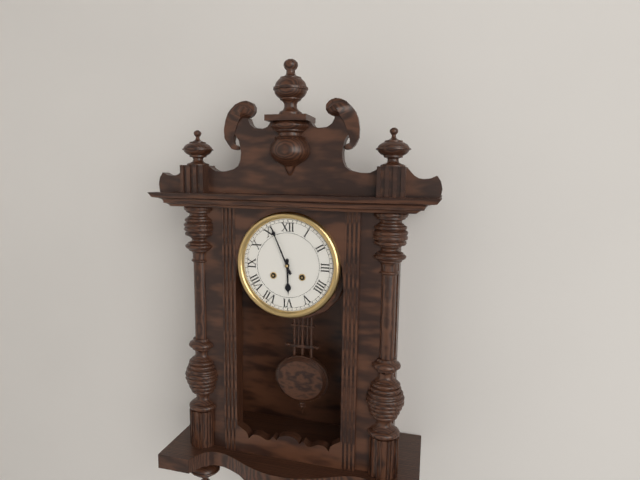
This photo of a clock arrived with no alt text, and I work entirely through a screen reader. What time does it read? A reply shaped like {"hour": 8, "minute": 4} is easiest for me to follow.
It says {"hour": 5, "minute": 56}
